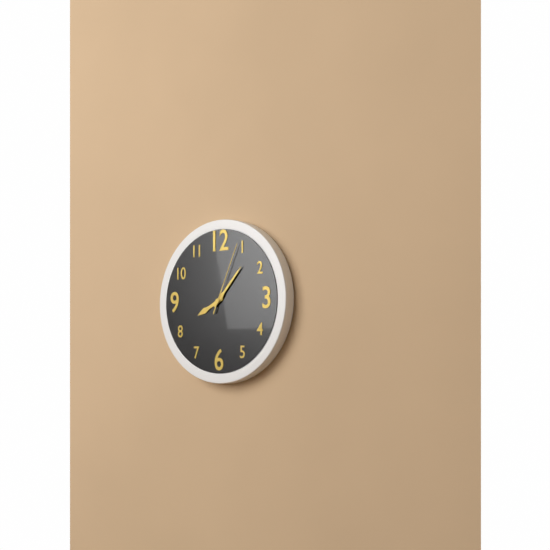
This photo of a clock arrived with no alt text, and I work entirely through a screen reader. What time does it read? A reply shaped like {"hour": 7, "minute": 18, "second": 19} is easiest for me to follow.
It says {"hour": 8, "minute": 7, "second": 4}
